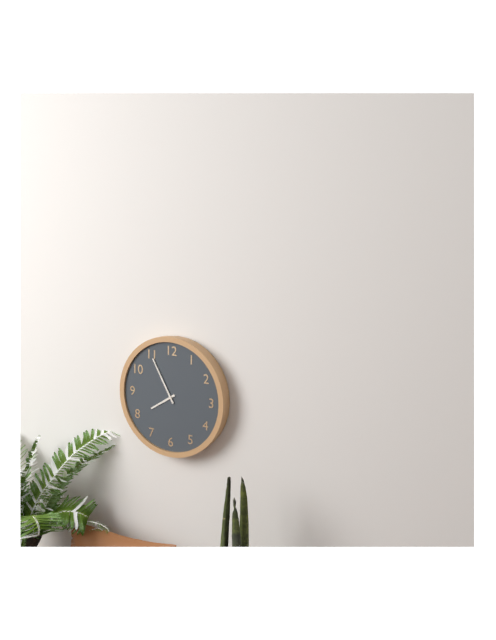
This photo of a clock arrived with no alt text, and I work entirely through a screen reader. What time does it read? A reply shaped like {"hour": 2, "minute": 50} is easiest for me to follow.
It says {"hour": 7, "minute": 55}
